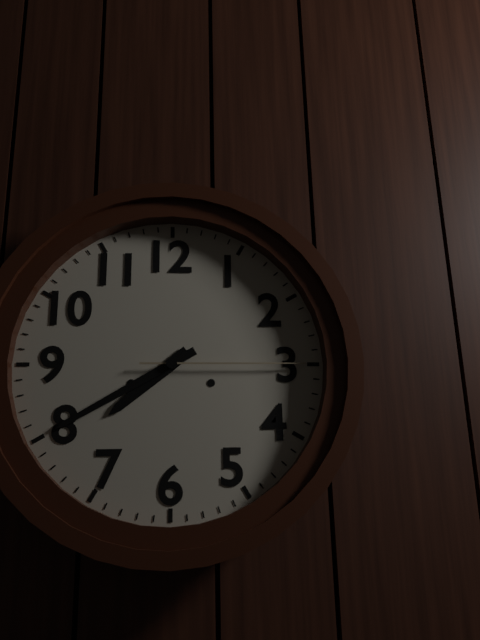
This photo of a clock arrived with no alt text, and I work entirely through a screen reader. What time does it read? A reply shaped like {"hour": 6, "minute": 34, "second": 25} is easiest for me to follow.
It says {"hour": 7, "minute": 40, "second": 15}
